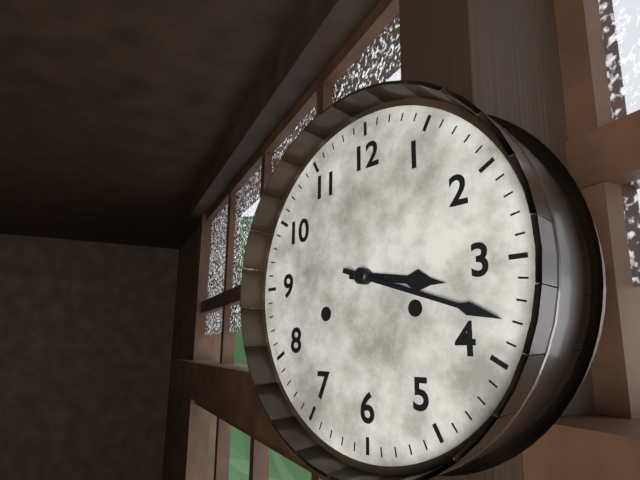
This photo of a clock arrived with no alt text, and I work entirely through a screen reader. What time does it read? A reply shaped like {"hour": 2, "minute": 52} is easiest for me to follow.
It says {"hour": 3, "minute": 18}
